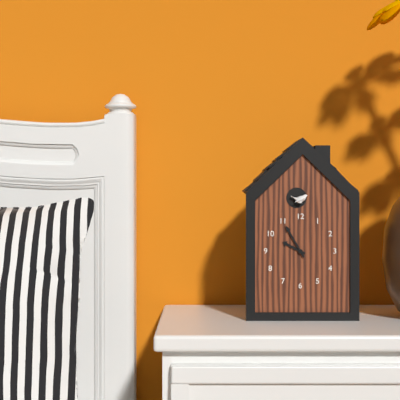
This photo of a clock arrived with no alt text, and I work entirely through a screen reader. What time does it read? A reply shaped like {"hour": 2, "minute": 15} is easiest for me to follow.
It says {"hour": 9, "minute": 55}
